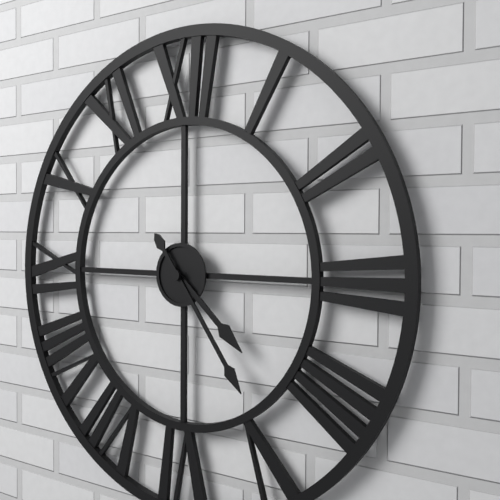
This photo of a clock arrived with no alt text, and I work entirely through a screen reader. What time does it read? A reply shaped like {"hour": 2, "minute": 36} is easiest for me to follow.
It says {"hour": 4, "minute": 24}
